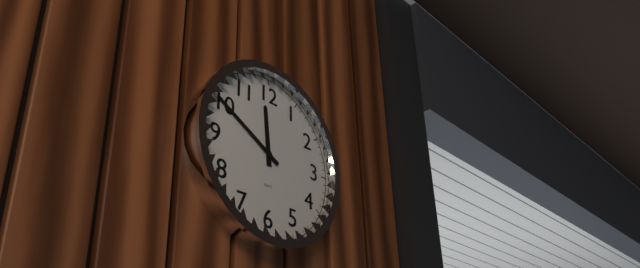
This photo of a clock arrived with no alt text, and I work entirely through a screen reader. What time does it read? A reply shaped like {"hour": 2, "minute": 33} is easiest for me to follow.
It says {"hour": 11, "minute": 50}
